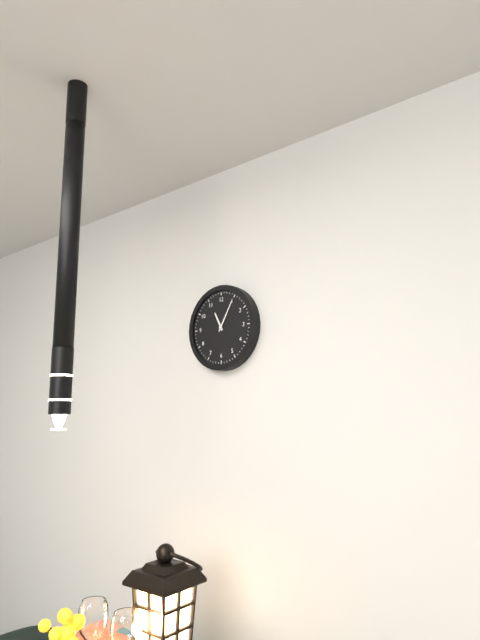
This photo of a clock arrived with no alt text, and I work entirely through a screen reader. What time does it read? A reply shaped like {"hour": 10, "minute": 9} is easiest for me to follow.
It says {"hour": 11, "minute": 5}
